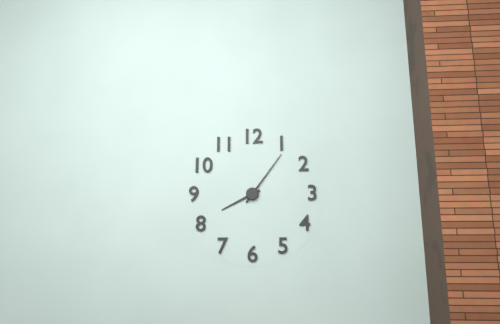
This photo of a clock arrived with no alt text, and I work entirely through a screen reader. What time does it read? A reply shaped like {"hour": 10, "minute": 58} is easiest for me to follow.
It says {"hour": 8, "minute": 6}
